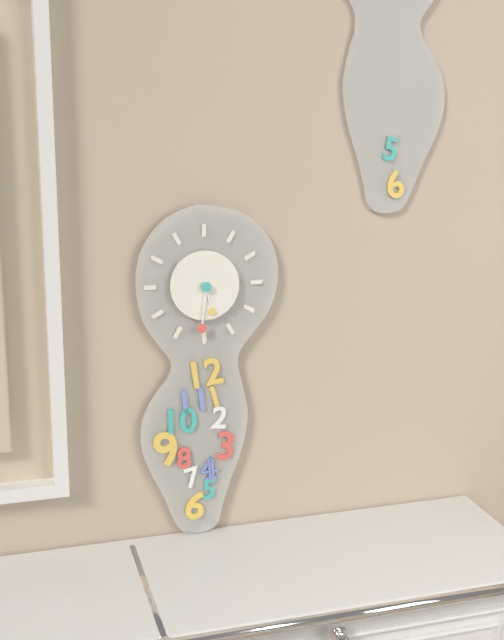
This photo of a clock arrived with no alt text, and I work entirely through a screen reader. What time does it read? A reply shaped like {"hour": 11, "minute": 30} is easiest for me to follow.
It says {"hour": 5, "minute": 31}
